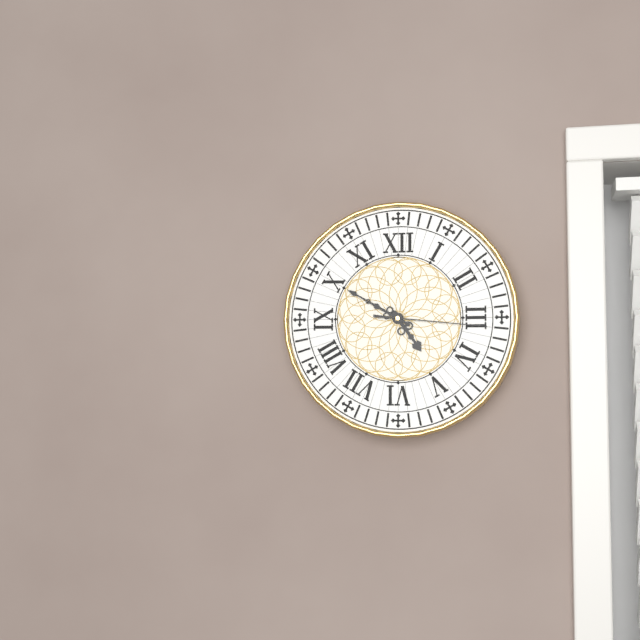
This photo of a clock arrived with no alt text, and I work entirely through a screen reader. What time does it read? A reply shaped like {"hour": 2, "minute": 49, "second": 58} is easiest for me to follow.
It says {"hour": 4, "minute": 50, "second": 16}
